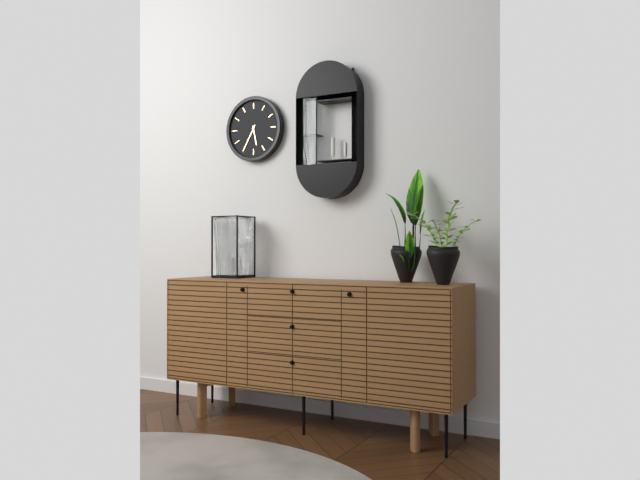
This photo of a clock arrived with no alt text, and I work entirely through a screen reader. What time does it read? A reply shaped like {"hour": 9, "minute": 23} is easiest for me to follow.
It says {"hour": 5, "minute": 35}
